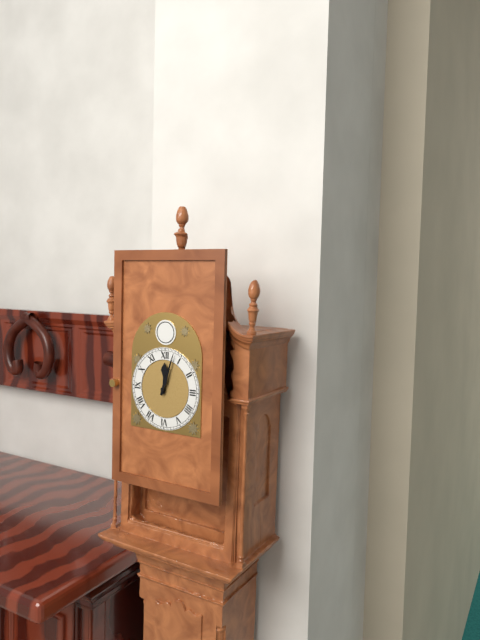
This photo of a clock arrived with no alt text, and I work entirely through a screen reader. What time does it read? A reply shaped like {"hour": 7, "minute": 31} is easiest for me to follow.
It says {"hour": 12, "minute": 3}
